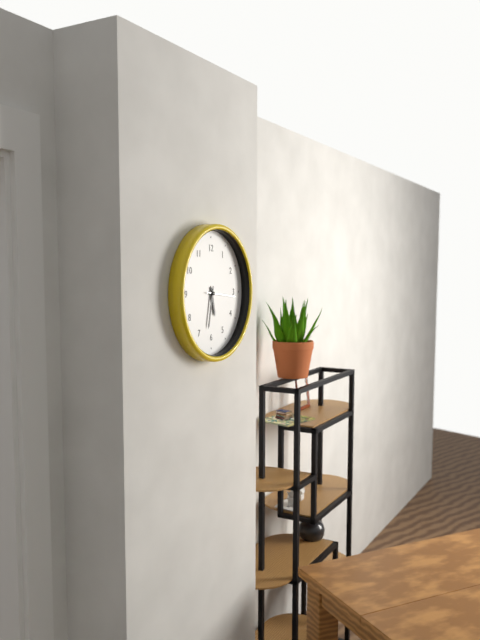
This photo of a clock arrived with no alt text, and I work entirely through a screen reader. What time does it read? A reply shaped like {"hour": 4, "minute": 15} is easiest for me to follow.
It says {"hour": 5, "minute": 32}
